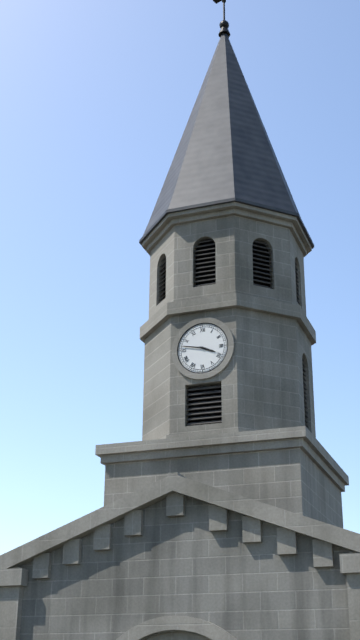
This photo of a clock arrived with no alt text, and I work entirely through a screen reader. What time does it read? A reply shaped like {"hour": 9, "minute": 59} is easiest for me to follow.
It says {"hour": 3, "minute": 47}
